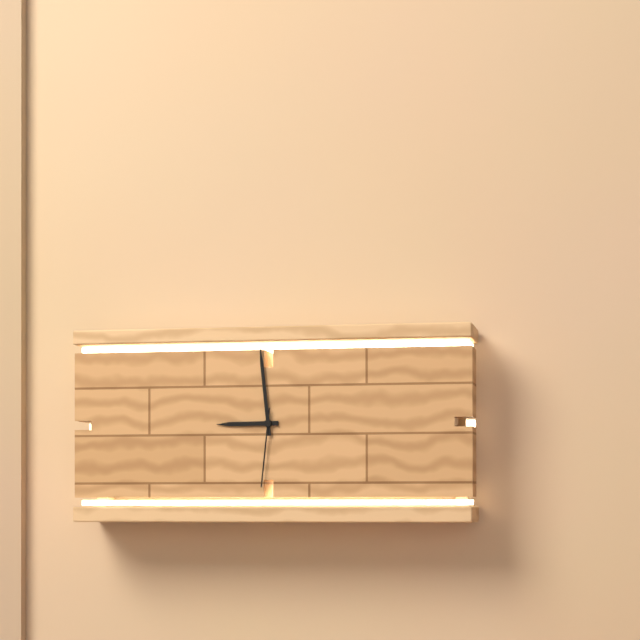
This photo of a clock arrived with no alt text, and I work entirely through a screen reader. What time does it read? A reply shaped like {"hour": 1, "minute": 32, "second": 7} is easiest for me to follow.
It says {"hour": 8, "minute": 59, "second": 31}
